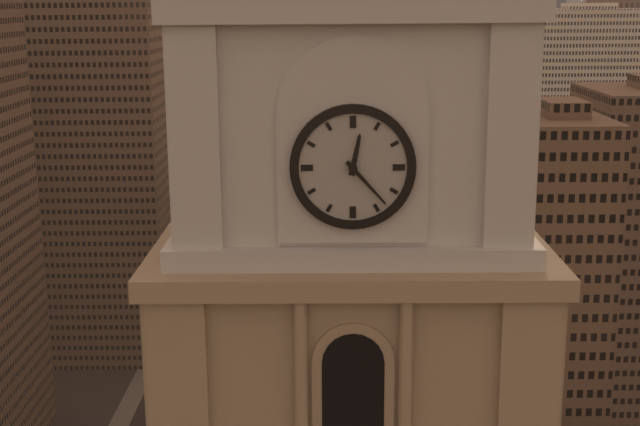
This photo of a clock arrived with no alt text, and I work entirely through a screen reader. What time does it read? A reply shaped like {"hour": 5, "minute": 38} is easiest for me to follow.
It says {"hour": 12, "minute": 23}
